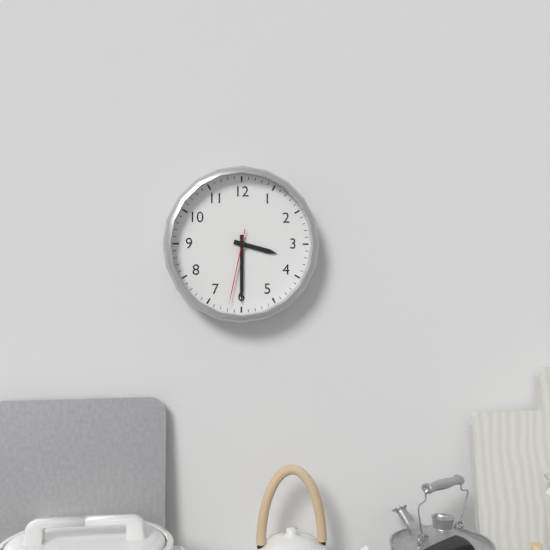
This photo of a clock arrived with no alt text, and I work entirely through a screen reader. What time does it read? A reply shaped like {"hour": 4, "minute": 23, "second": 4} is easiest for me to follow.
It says {"hour": 3, "minute": 30, "second": 32}
